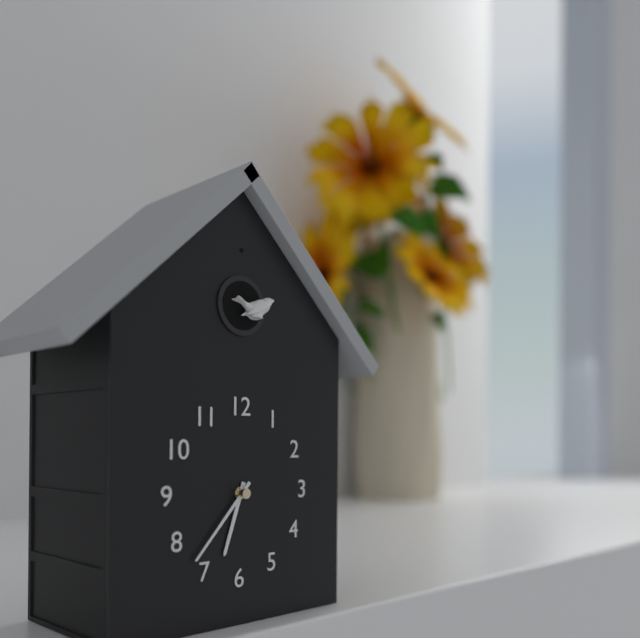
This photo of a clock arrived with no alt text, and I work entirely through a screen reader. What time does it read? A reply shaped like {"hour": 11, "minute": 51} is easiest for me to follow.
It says {"hour": 6, "minute": 37}
